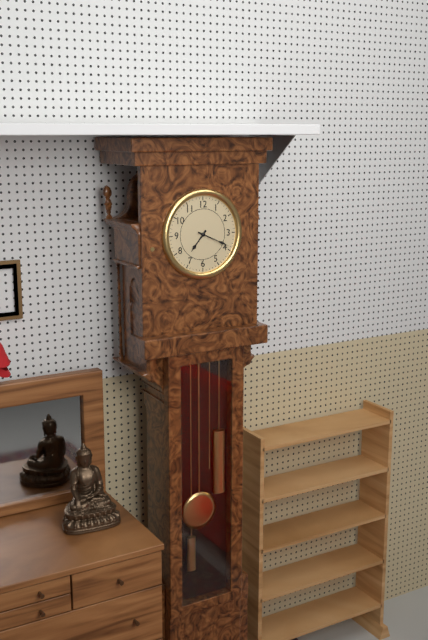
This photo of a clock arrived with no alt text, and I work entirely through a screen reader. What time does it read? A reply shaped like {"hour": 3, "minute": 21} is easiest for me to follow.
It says {"hour": 7, "minute": 19}
